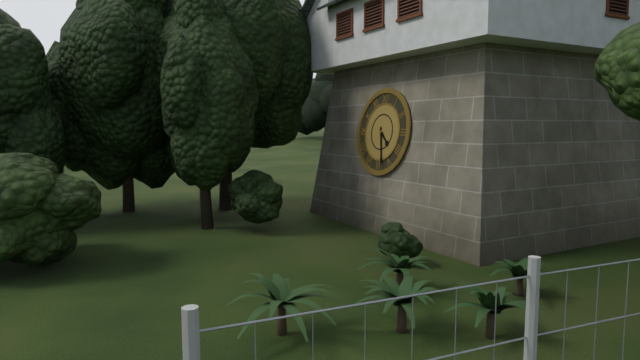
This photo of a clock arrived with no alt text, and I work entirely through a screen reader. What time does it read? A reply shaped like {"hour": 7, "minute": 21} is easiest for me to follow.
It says {"hour": 4, "minute": 28}
